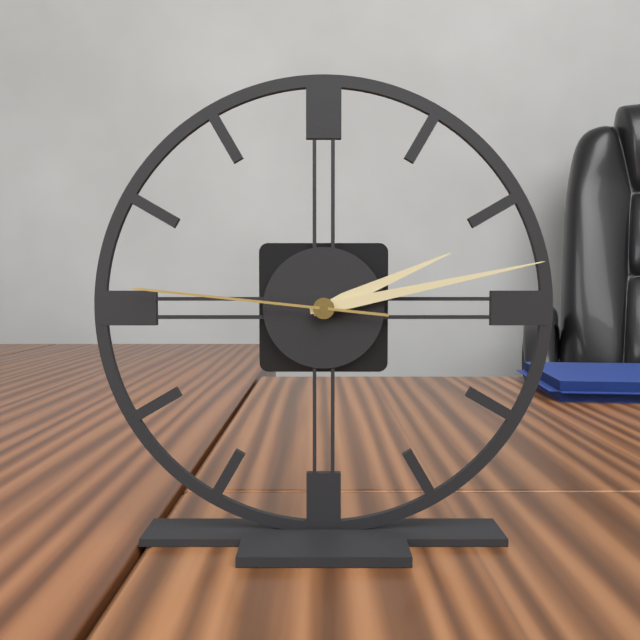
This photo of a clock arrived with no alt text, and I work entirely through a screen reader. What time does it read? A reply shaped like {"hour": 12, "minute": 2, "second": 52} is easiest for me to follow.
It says {"hour": 2, "minute": 13, "second": 46}
